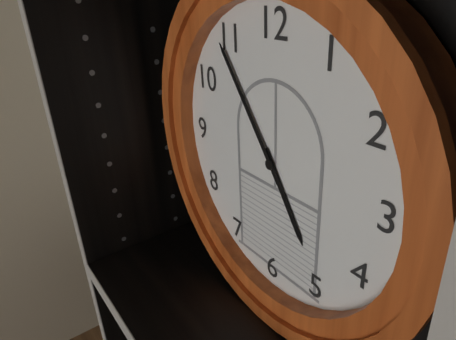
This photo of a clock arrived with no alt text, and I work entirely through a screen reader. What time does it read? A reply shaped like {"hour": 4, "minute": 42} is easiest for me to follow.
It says {"hour": 4, "minute": 54}
